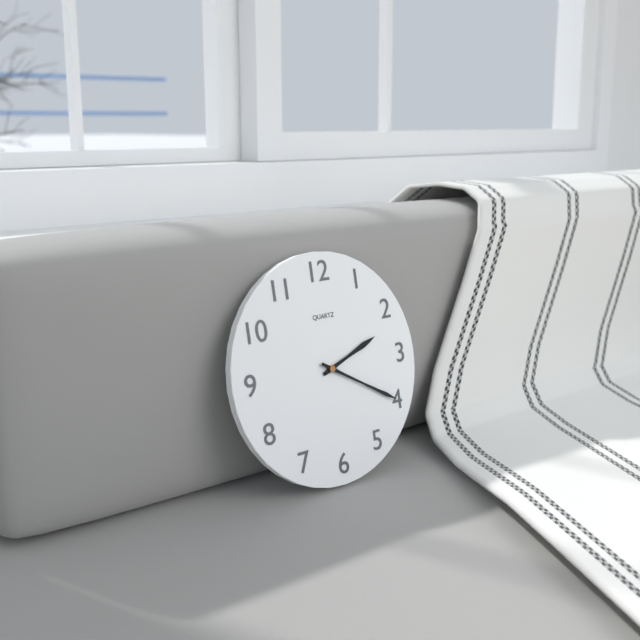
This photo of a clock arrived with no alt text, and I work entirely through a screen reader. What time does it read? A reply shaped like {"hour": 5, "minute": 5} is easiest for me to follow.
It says {"hour": 2, "minute": 20}
